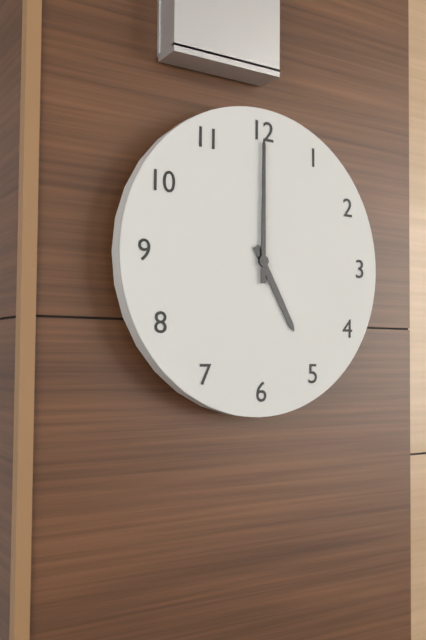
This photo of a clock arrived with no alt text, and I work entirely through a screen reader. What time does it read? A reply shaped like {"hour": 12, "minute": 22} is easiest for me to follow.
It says {"hour": 5, "minute": 0}
